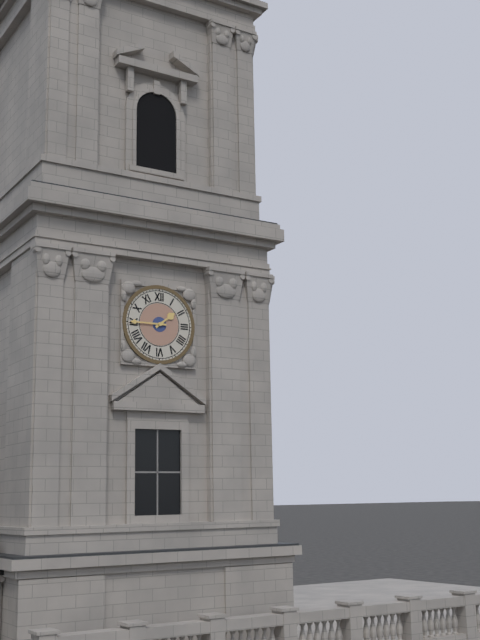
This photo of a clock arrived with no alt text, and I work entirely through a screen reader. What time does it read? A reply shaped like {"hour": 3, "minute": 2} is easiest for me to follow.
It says {"hour": 1, "minute": 45}
